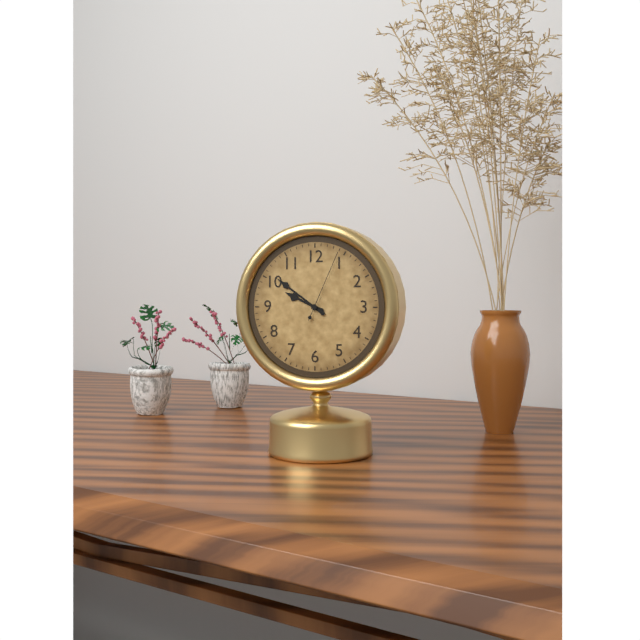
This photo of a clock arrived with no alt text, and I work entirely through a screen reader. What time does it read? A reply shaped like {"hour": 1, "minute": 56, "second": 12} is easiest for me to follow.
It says {"hour": 9, "minute": 51, "second": 4}
